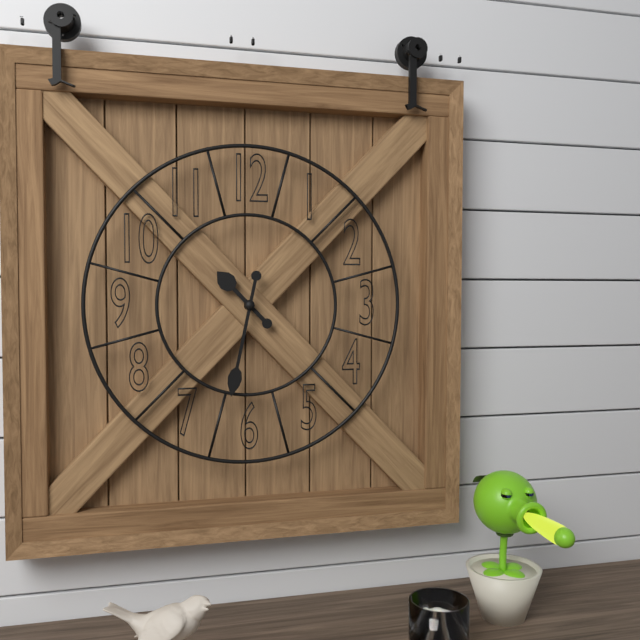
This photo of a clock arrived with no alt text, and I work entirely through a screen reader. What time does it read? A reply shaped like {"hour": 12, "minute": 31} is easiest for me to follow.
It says {"hour": 10, "minute": 32}
